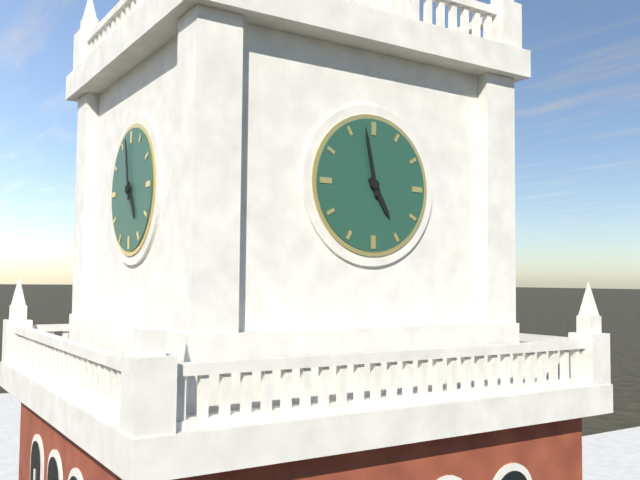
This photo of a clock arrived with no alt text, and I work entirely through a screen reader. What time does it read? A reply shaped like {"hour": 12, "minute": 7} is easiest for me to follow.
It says {"hour": 4, "minute": 58}
